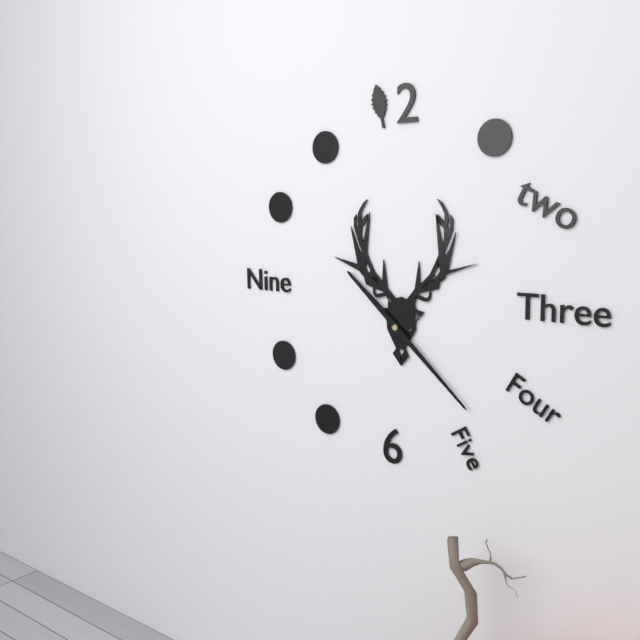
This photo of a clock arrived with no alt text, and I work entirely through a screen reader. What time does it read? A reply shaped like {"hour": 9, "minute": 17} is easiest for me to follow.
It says {"hour": 10, "minute": 22}
